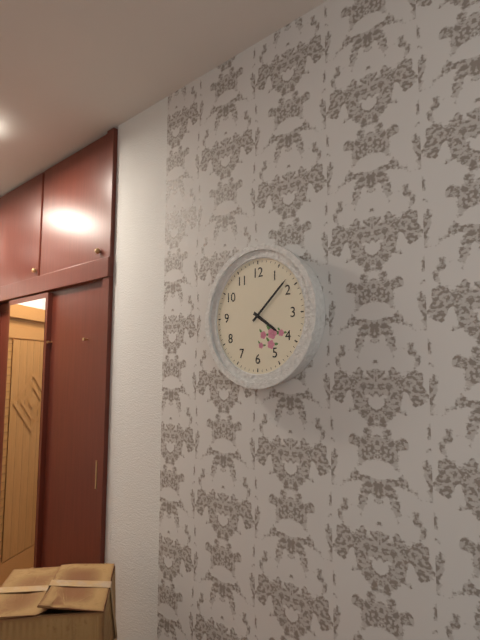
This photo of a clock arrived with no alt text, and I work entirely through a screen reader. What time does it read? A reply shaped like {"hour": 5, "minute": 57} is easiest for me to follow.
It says {"hour": 4, "minute": 8}
